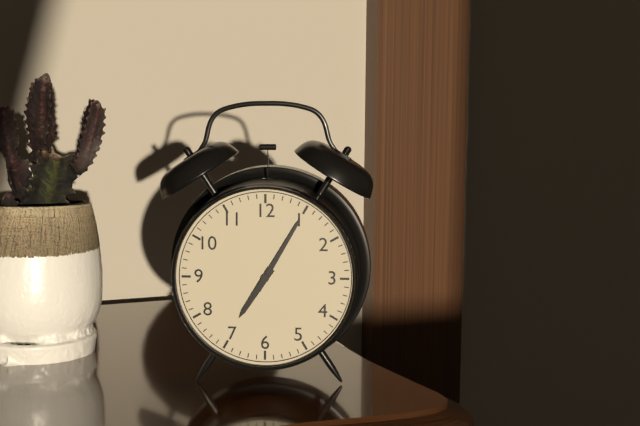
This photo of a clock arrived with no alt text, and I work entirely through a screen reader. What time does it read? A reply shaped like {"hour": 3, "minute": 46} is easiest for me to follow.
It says {"hour": 7, "minute": 5}
